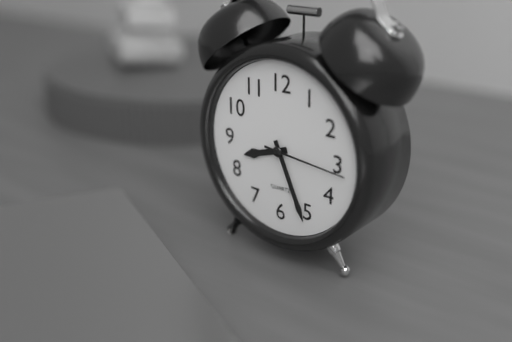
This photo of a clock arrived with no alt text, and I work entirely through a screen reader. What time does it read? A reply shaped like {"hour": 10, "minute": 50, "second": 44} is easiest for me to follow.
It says {"hour": 8, "minute": 26, "second": 16}
